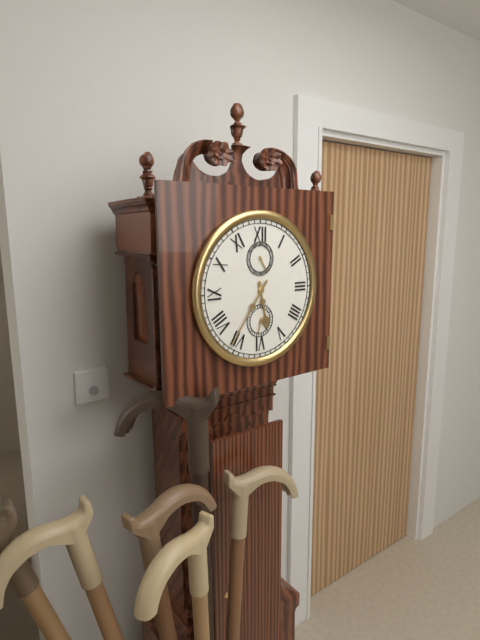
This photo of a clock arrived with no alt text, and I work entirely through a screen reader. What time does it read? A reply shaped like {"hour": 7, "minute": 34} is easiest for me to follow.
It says {"hour": 5, "minute": 36}
